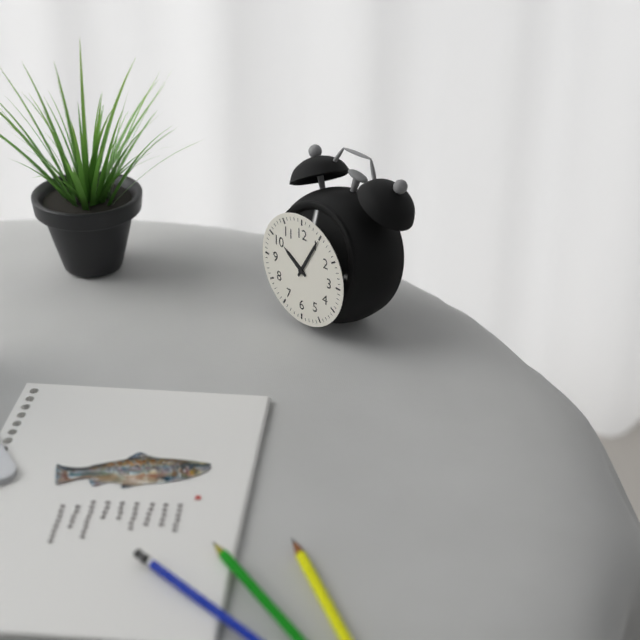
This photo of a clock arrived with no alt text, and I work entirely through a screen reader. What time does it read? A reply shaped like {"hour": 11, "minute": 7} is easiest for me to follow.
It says {"hour": 10, "minute": 5}
